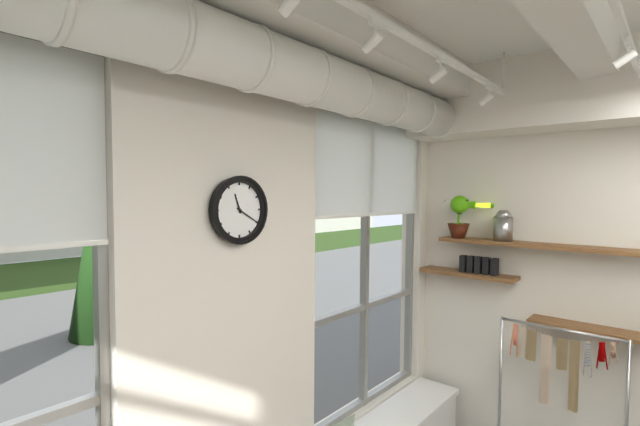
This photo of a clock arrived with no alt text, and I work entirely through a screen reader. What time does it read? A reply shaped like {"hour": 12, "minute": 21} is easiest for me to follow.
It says {"hour": 11, "minute": 20}
